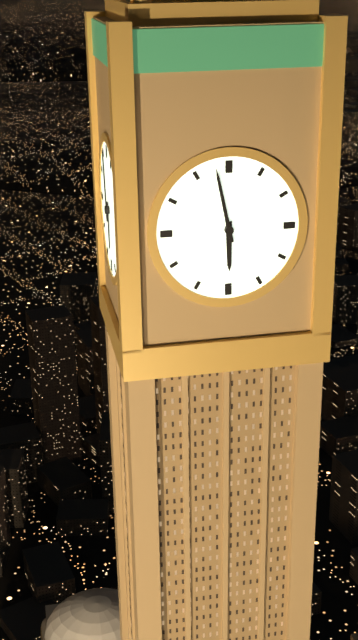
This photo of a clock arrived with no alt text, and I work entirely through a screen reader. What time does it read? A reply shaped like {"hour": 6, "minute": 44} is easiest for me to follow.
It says {"hour": 5, "minute": 58}
